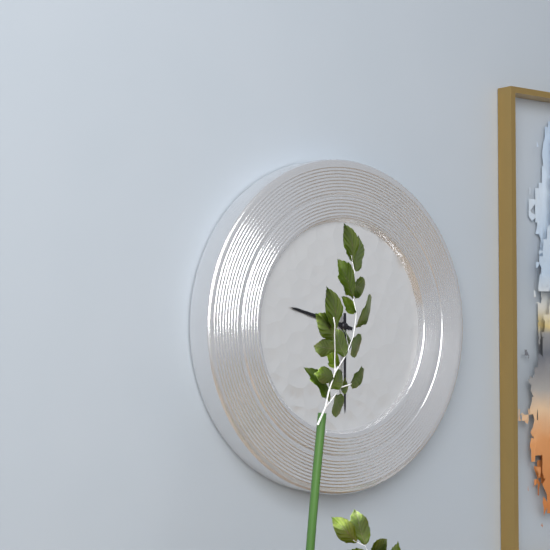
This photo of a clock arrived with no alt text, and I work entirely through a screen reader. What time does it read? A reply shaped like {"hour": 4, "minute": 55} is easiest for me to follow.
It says {"hour": 9, "minute": 30}
